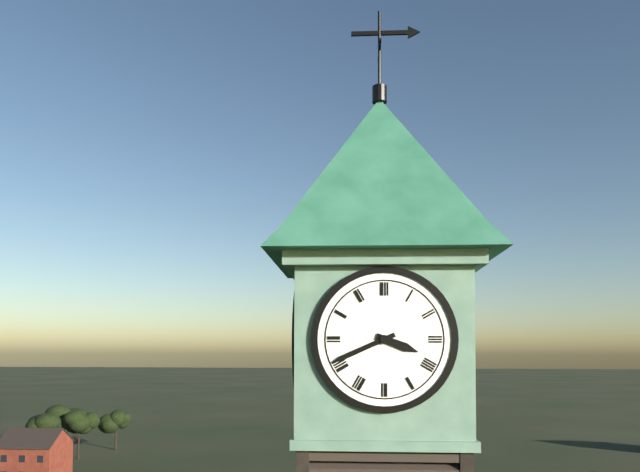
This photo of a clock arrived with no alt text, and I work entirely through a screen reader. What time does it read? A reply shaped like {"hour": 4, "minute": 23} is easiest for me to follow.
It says {"hour": 3, "minute": 41}
